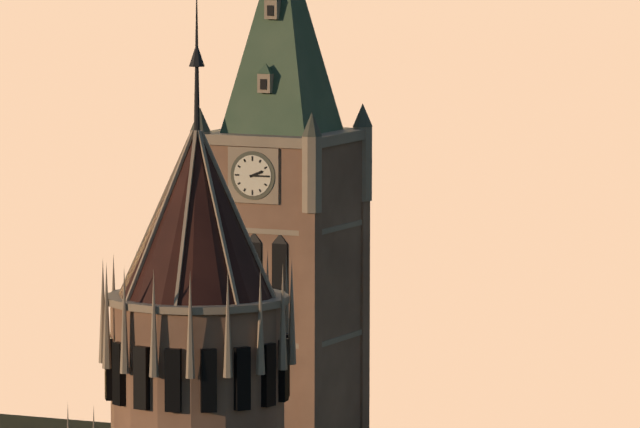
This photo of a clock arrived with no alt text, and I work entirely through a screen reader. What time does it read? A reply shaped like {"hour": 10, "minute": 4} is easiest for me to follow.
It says {"hour": 2, "minute": 15}
